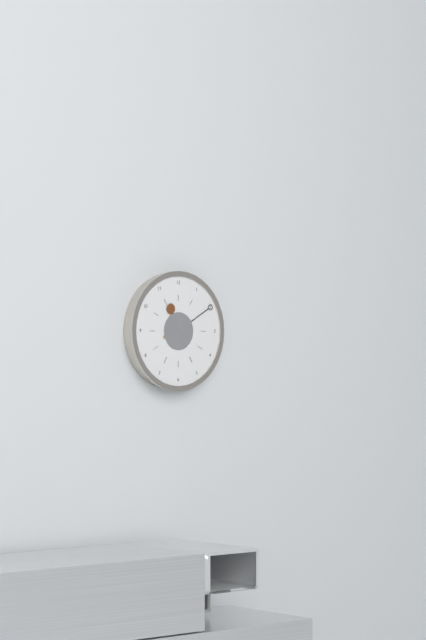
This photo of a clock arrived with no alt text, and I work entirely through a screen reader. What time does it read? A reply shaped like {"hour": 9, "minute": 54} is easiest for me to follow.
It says {"hour": 11, "minute": 10}
